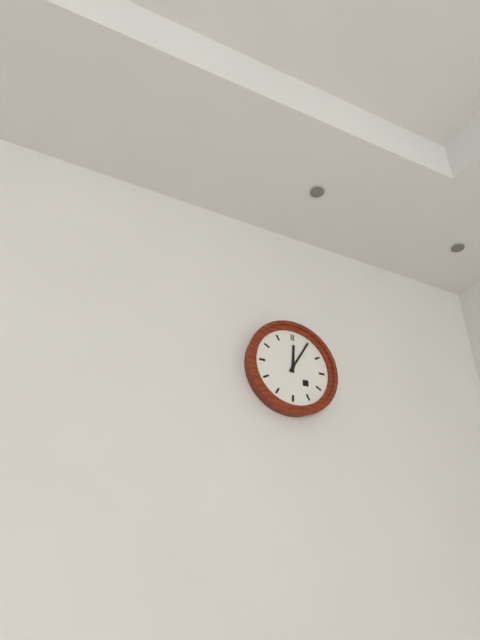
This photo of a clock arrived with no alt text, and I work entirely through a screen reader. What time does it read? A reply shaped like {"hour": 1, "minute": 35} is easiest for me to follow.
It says {"hour": 12, "minute": 5}
